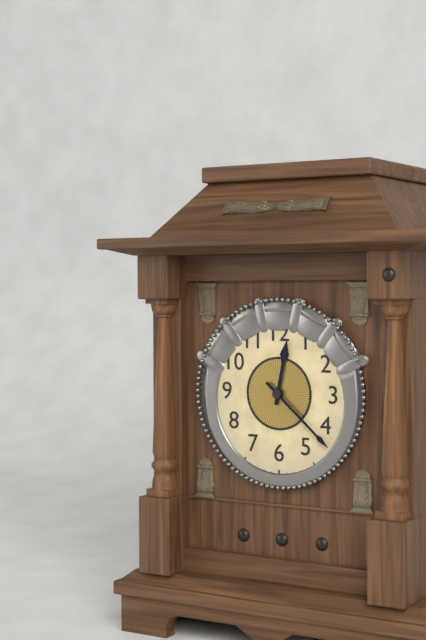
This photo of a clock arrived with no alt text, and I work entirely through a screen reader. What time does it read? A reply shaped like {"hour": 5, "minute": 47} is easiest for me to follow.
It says {"hour": 12, "minute": 22}
